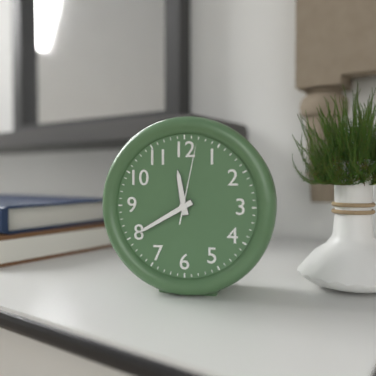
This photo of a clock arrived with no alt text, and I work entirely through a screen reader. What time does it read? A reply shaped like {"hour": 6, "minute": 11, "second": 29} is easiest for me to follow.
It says {"hour": 11, "minute": 40, "second": 2}
